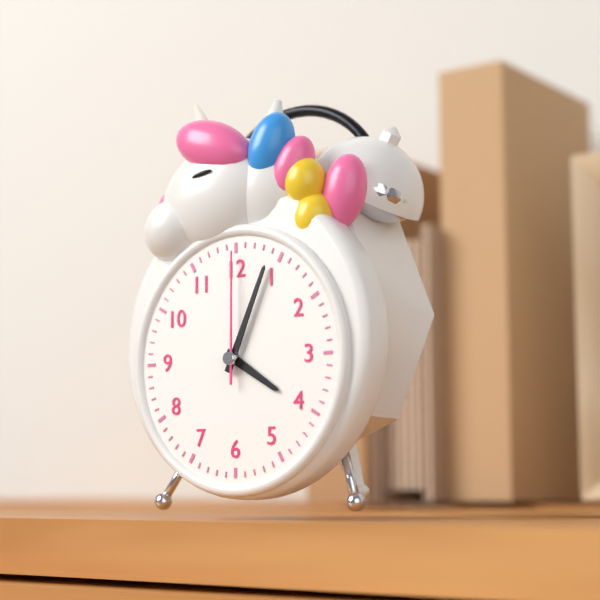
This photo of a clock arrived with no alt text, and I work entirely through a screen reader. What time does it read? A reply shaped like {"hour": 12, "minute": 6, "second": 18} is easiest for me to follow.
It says {"hour": 4, "minute": 4, "second": 0}
